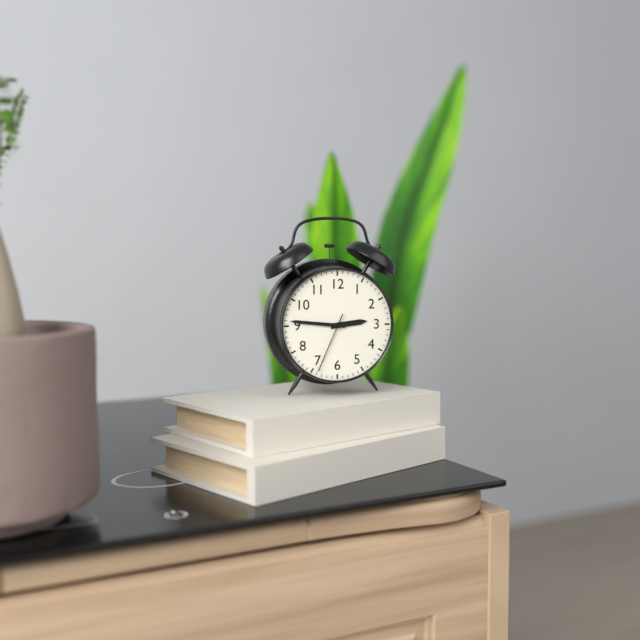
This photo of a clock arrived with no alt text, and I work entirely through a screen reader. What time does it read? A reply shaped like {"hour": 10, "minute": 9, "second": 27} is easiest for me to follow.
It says {"hour": 2, "minute": 46, "second": 34}
